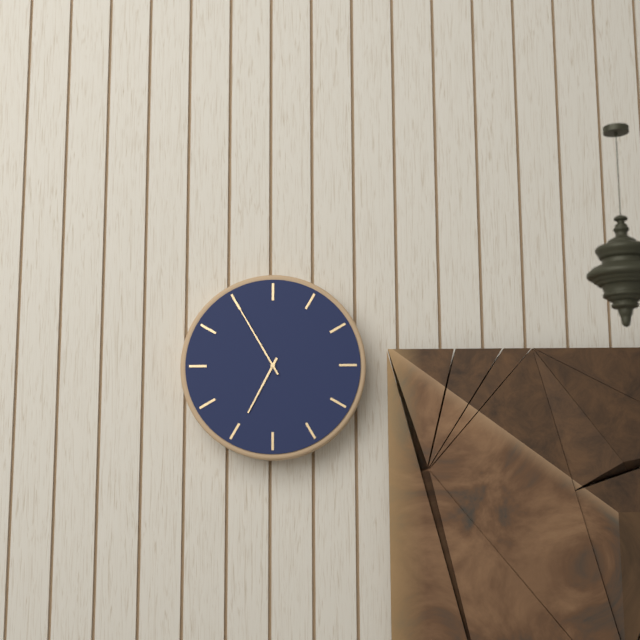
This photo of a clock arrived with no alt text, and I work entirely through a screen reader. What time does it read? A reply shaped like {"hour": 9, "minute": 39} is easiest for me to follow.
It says {"hour": 6, "minute": 55}
